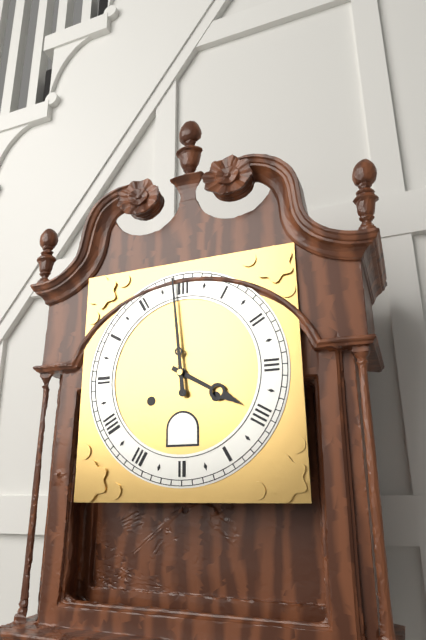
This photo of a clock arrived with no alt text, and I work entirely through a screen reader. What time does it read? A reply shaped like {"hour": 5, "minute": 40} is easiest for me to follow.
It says {"hour": 3, "minute": 59}
